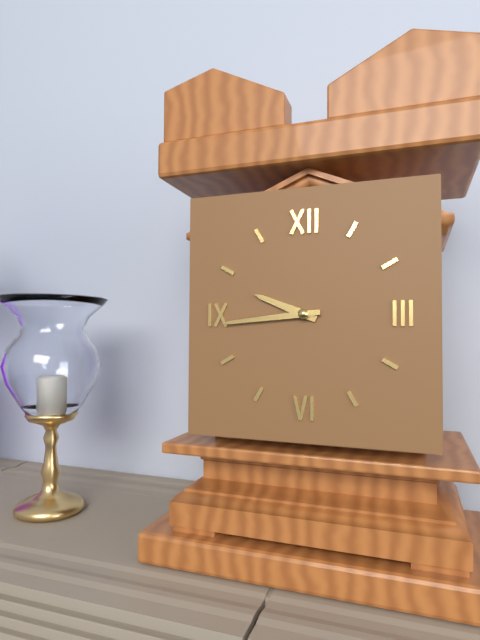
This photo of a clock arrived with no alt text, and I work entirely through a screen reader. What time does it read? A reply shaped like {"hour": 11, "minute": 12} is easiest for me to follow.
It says {"hour": 9, "minute": 44}
